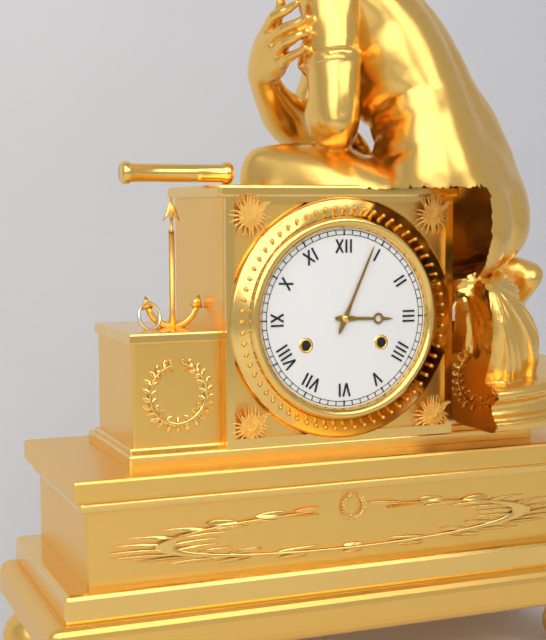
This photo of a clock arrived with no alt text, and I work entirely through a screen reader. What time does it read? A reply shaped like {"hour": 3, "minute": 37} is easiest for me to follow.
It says {"hour": 3, "minute": 4}
